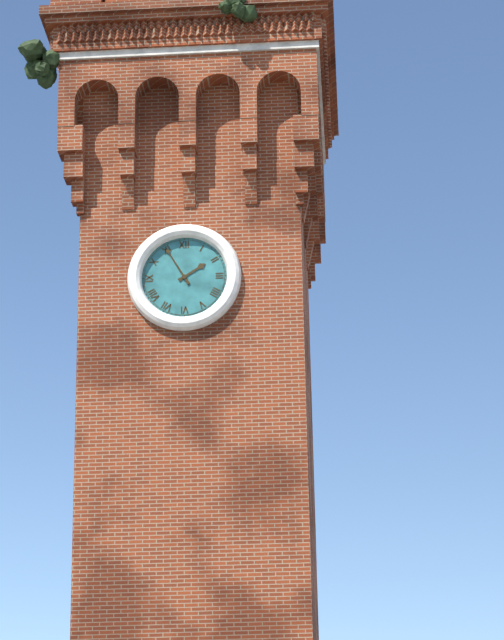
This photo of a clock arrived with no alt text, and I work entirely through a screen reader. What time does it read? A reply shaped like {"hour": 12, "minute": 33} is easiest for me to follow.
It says {"hour": 1, "minute": 55}
